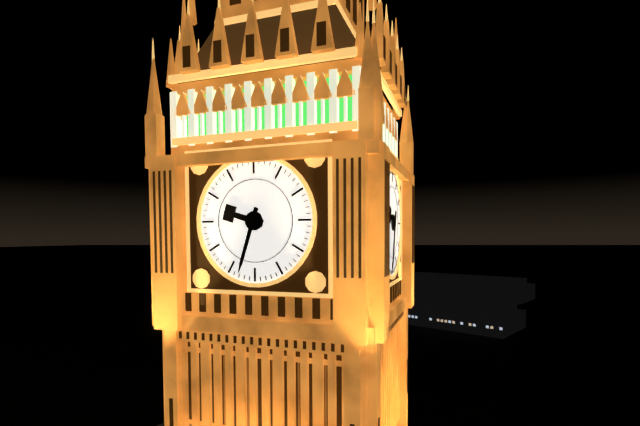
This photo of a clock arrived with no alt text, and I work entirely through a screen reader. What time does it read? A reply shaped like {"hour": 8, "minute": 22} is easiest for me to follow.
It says {"hour": 9, "minute": 33}
